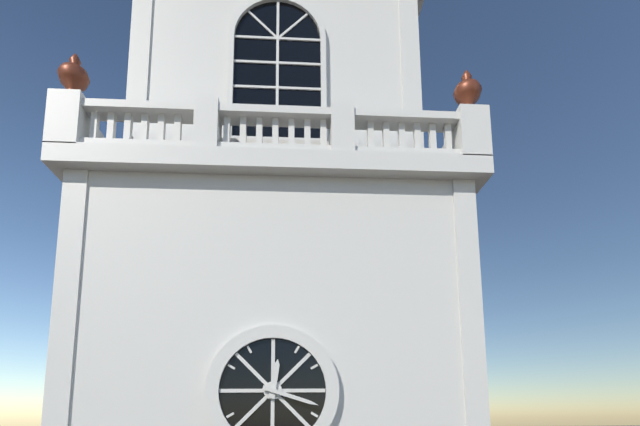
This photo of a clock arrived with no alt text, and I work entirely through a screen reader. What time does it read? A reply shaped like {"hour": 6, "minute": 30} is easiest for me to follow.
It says {"hour": 12, "minute": 18}
